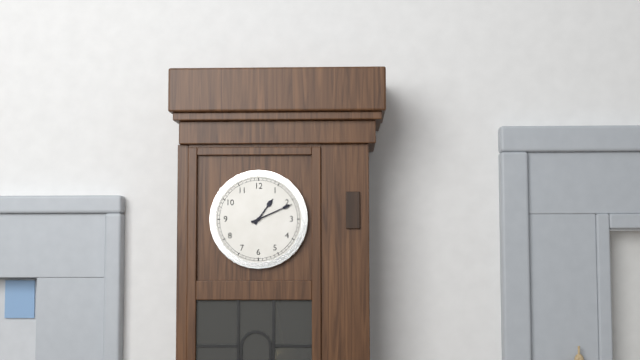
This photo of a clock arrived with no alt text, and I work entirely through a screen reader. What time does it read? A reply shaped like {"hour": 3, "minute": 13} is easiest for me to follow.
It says {"hour": 1, "minute": 11}
